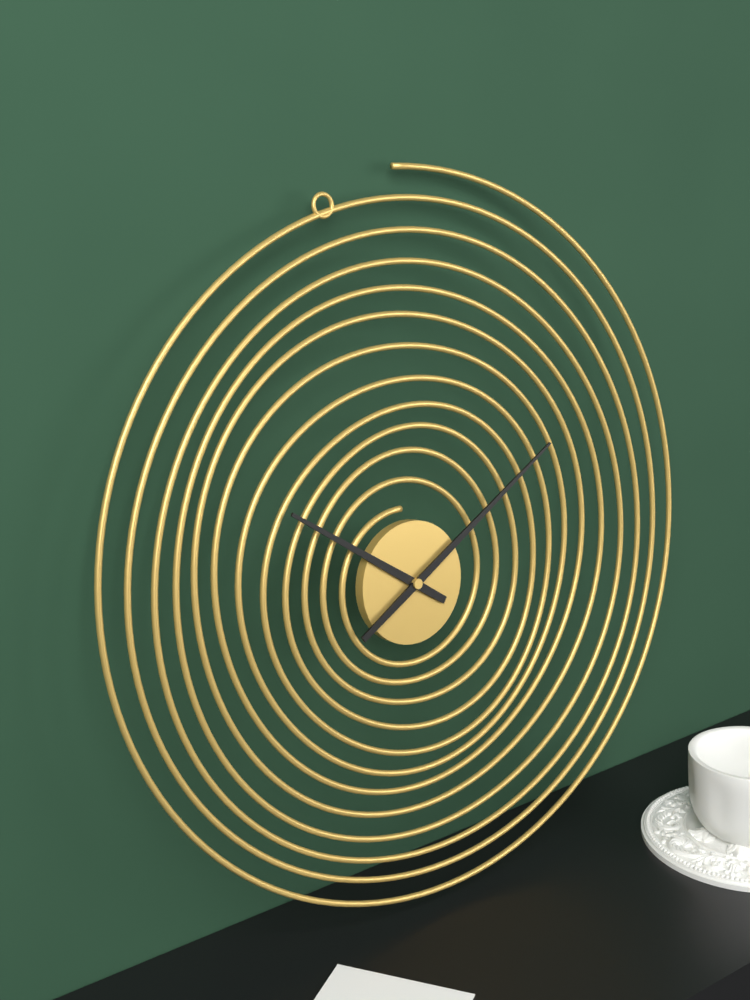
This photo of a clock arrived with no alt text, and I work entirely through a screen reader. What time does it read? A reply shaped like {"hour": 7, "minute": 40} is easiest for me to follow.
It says {"hour": 10, "minute": 10}
